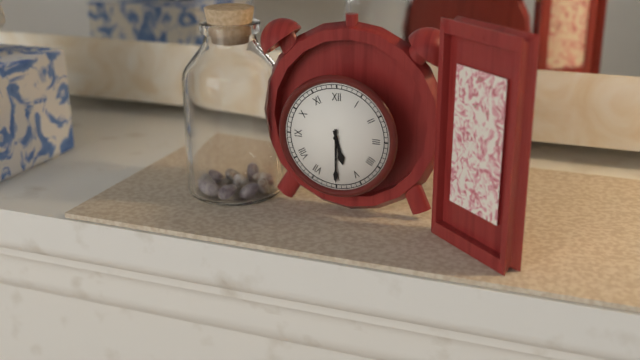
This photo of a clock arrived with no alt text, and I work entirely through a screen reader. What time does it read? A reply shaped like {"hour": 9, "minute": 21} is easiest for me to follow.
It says {"hour": 5, "minute": 30}
